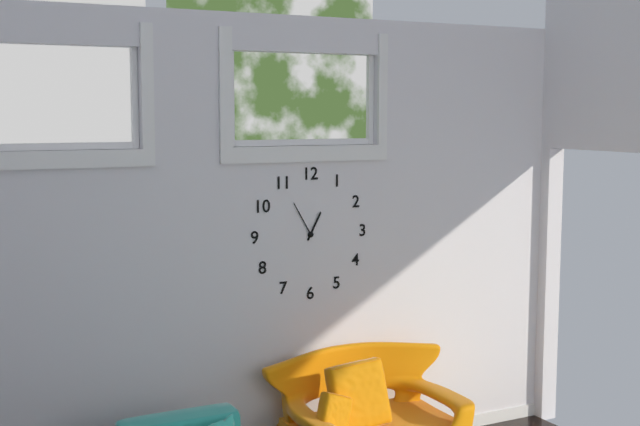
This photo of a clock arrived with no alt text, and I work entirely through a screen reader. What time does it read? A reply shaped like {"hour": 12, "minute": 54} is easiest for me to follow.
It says {"hour": 12, "minute": 55}
